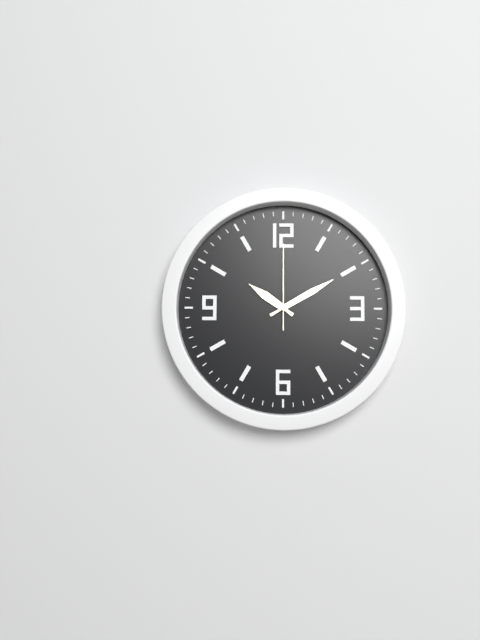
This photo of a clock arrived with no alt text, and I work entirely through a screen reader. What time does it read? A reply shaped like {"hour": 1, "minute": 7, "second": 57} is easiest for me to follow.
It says {"hour": 10, "minute": 10, "second": 0}
